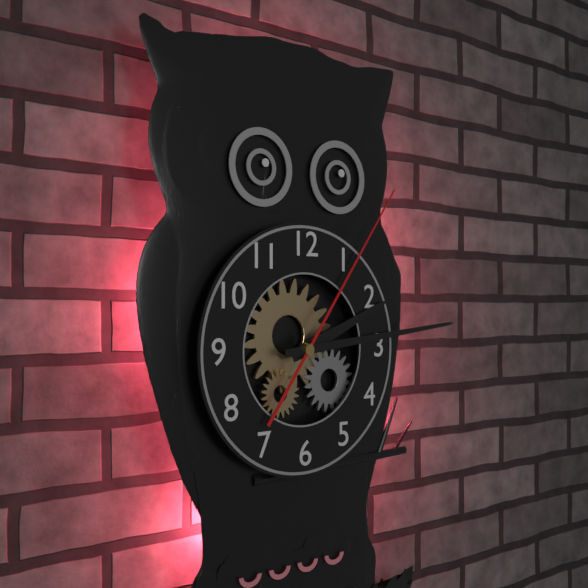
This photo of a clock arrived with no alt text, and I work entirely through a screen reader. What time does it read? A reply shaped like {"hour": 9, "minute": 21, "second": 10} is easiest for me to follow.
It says {"hour": 2, "minute": 14, "second": 6}
